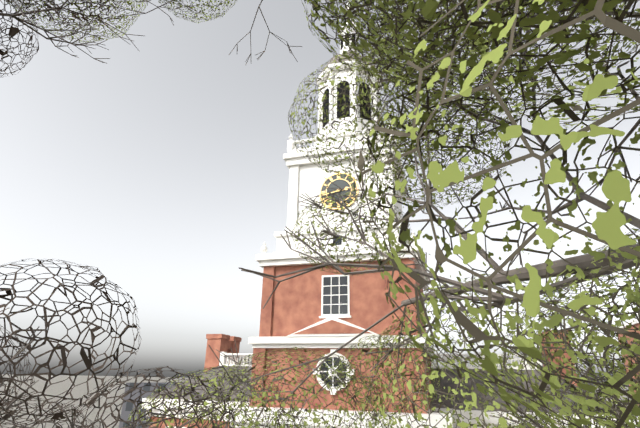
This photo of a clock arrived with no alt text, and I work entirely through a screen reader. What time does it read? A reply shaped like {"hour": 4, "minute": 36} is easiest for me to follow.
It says {"hour": 2, "minute": 43}
